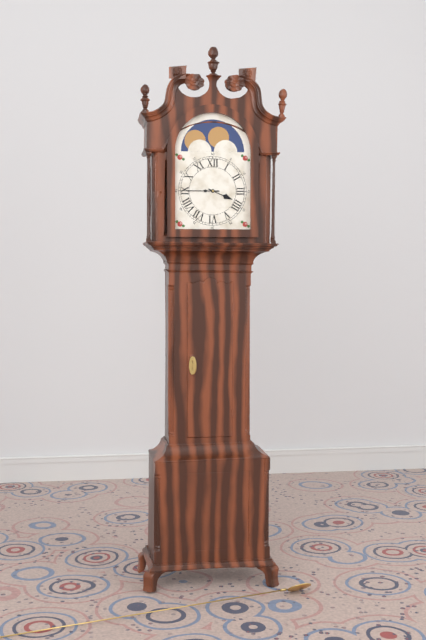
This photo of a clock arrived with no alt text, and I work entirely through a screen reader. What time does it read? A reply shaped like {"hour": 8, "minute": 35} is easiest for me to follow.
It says {"hour": 3, "minute": 45}
